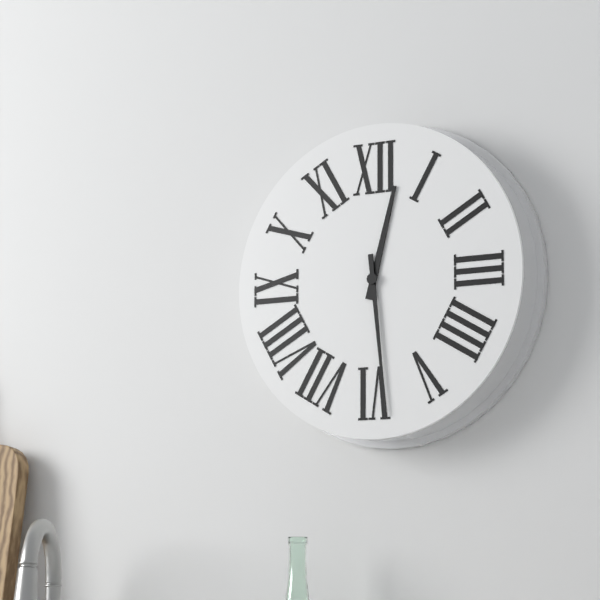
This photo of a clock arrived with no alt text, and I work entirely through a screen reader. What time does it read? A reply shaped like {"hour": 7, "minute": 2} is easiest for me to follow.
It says {"hour": 12, "minute": 29}
